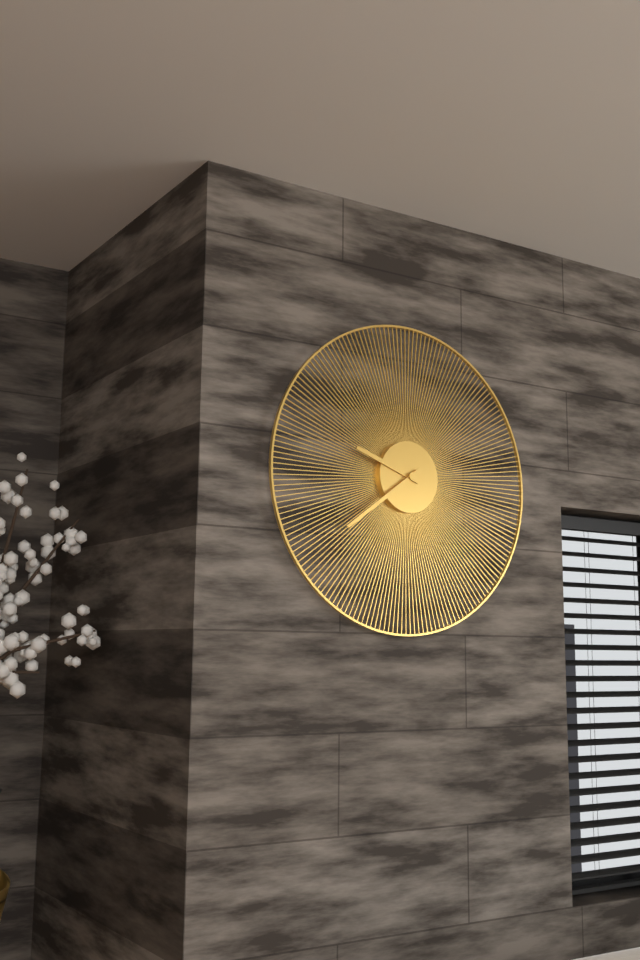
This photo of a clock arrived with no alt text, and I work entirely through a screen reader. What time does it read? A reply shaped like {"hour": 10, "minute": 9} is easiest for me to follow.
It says {"hour": 9, "minute": 39}
